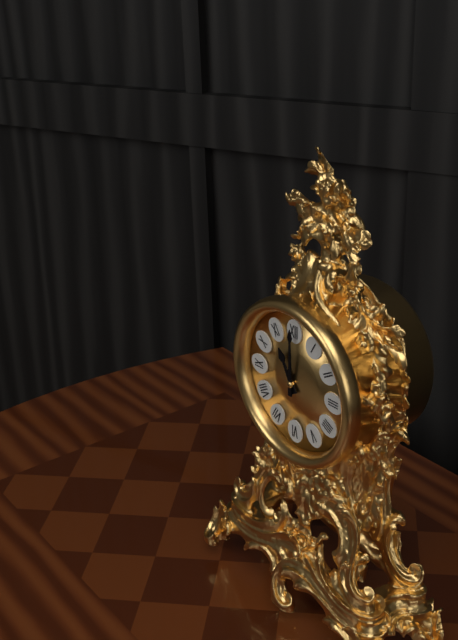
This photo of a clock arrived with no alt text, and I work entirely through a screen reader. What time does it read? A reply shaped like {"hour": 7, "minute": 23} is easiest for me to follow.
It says {"hour": 11, "minute": 0}
